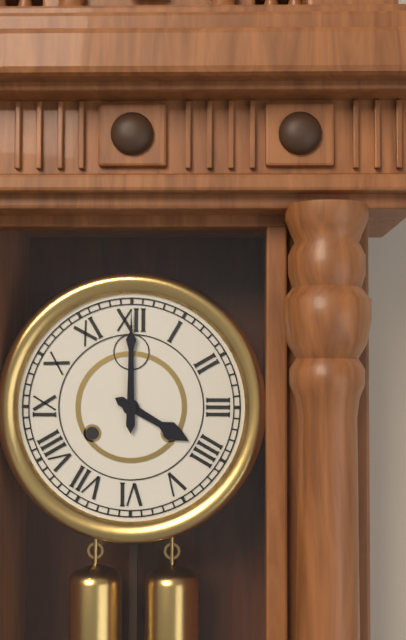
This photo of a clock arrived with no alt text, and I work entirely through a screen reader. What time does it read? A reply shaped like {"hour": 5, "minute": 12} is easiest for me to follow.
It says {"hour": 4, "minute": 0}
